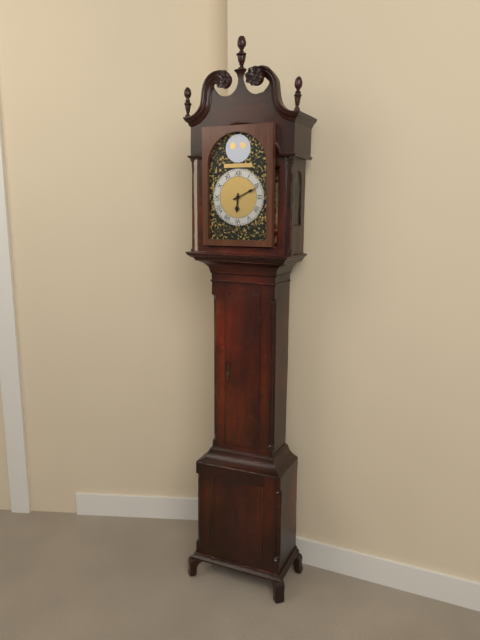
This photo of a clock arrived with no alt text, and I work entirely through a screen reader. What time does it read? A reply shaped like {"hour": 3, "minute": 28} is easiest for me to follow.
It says {"hour": 6, "minute": 11}
